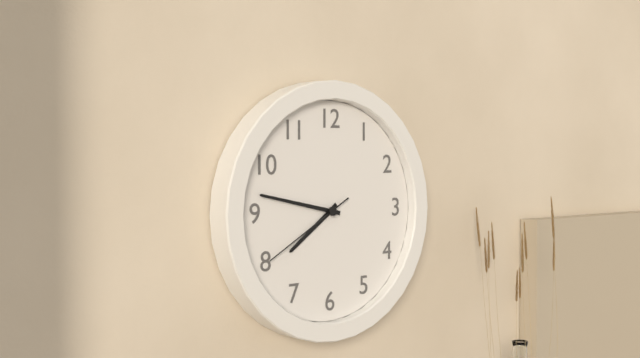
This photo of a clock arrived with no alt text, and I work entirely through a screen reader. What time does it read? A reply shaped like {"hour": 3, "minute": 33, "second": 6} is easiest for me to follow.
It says {"hour": 7, "minute": 47, "second": 40}
